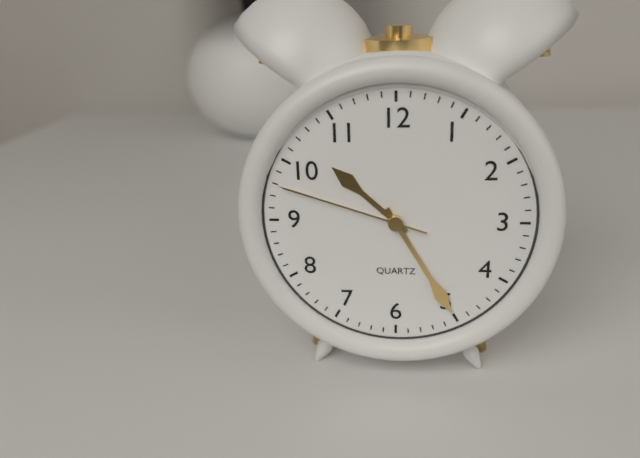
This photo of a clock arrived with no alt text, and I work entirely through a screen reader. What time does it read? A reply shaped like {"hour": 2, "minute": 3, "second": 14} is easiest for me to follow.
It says {"hour": 10, "minute": 25, "second": 48}
